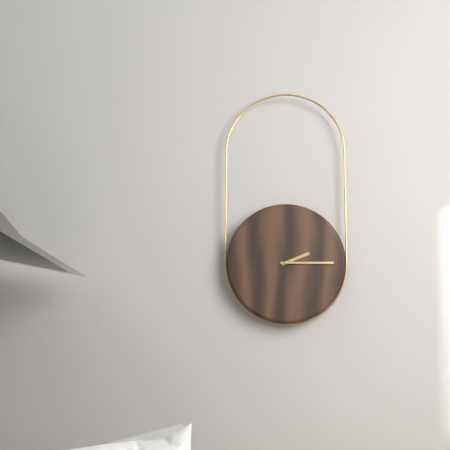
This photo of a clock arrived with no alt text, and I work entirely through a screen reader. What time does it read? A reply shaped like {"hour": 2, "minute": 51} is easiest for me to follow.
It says {"hour": 2, "minute": 15}
